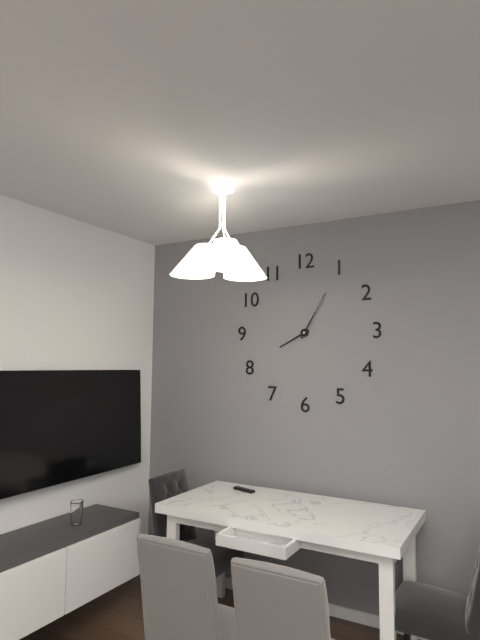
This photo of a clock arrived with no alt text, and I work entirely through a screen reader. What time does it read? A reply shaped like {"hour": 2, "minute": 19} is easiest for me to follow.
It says {"hour": 8, "minute": 5}
